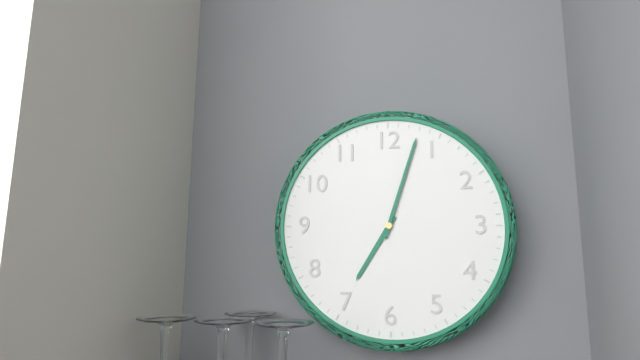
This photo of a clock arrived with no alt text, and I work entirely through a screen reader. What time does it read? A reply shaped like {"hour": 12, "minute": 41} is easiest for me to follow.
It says {"hour": 7, "minute": 3}
